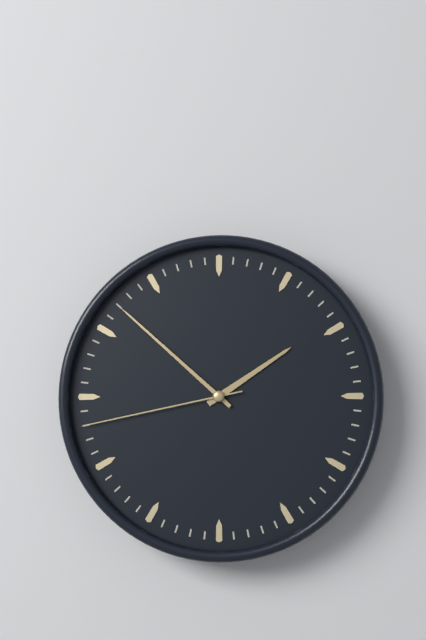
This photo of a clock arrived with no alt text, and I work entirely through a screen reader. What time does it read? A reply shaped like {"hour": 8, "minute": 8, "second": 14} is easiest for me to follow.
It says {"hour": 1, "minute": 52, "second": 43}
